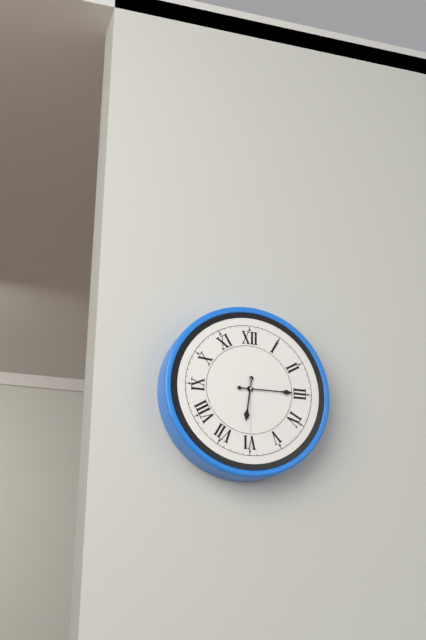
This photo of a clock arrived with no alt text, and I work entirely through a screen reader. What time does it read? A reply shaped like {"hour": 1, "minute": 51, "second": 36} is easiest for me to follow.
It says {"hour": 6, "minute": 15, "second": 30}
